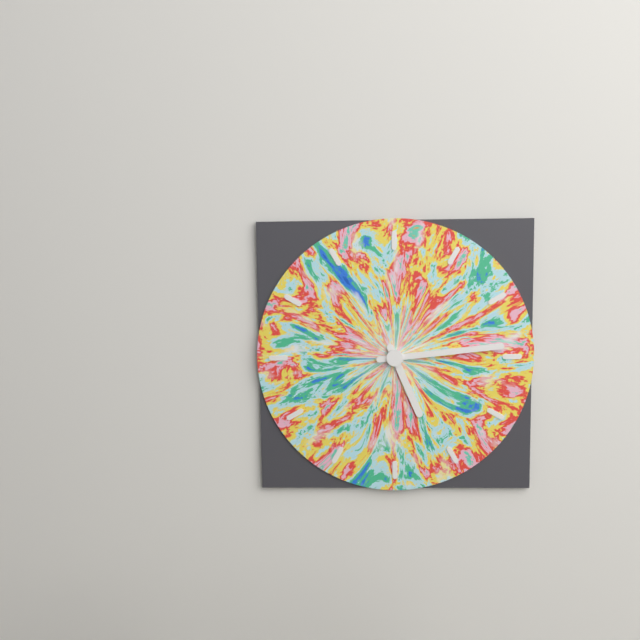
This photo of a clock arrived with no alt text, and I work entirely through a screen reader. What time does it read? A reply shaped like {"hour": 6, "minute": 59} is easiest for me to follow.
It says {"hour": 5, "minute": 14}
